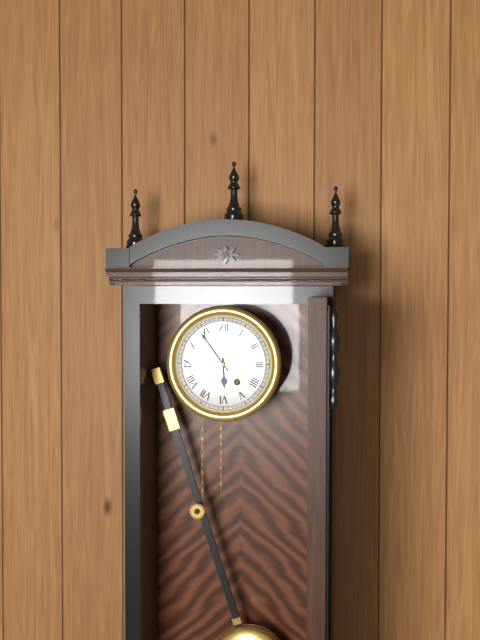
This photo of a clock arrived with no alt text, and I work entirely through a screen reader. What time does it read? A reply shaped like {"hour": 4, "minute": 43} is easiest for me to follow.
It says {"hour": 5, "minute": 54}
